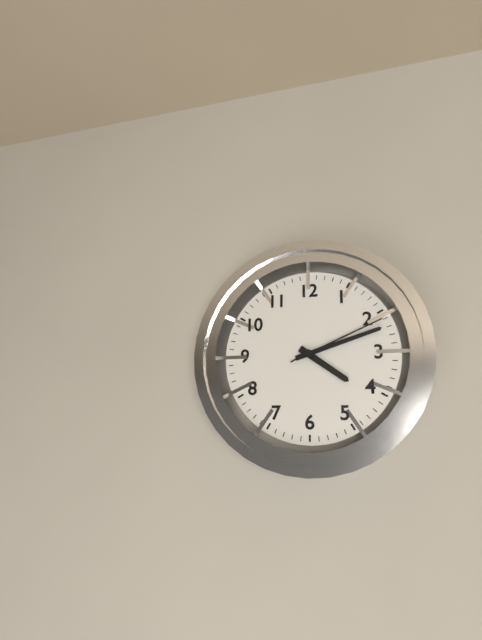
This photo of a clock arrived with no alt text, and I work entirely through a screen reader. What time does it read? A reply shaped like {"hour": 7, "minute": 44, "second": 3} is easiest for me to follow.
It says {"hour": 4, "minute": 12, "second": 11}
